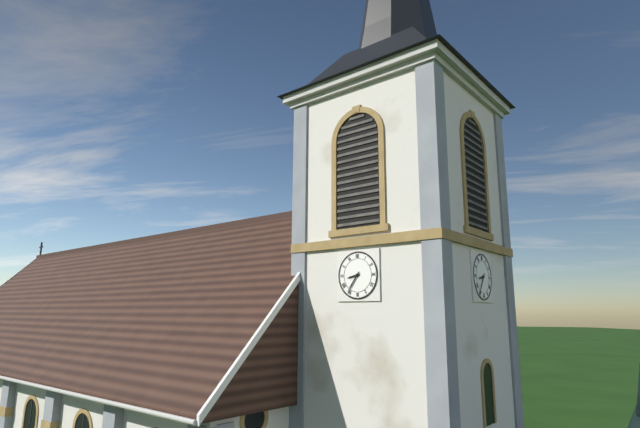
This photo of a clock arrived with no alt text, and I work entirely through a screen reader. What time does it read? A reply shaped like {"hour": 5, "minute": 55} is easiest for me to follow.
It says {"hour": 8, "minute": 36}
